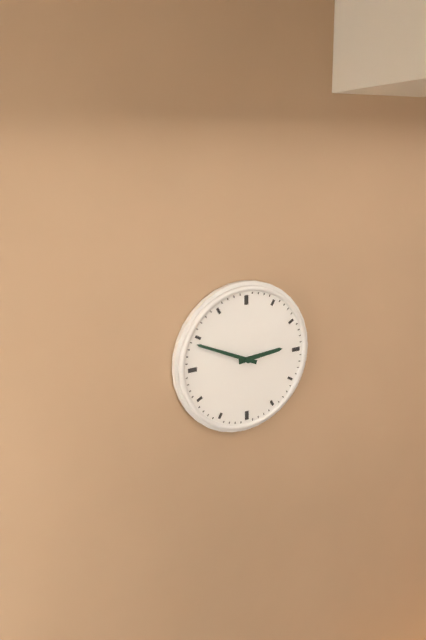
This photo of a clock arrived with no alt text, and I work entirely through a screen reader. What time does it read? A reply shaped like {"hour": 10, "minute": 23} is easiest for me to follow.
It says {"hour": 2, "minute": 49}
